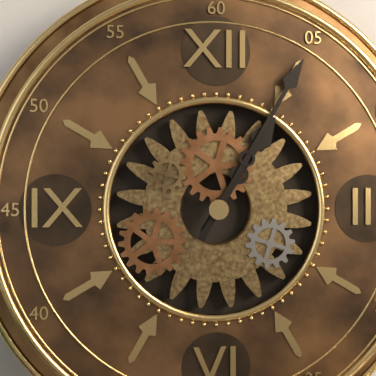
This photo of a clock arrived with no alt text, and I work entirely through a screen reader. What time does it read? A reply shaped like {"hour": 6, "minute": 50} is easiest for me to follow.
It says {"hour": 1, "minute": 5}
